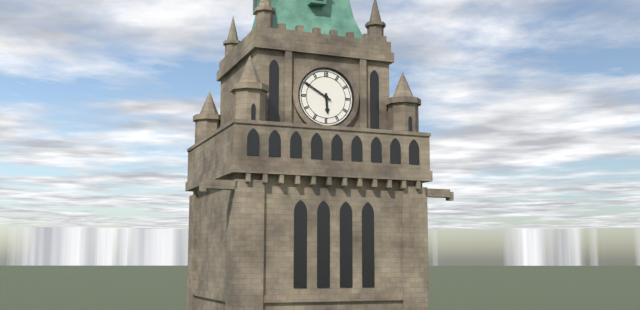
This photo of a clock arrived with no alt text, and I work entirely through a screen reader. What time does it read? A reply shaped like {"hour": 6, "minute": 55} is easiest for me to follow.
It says {"hour": 5, "minute": 50}
